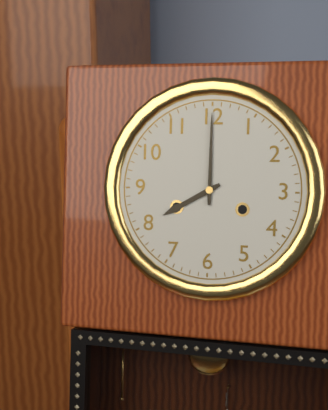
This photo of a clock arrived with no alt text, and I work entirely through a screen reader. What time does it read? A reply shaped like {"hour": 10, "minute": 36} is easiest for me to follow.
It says {"hour": 8, "minute": 0}
